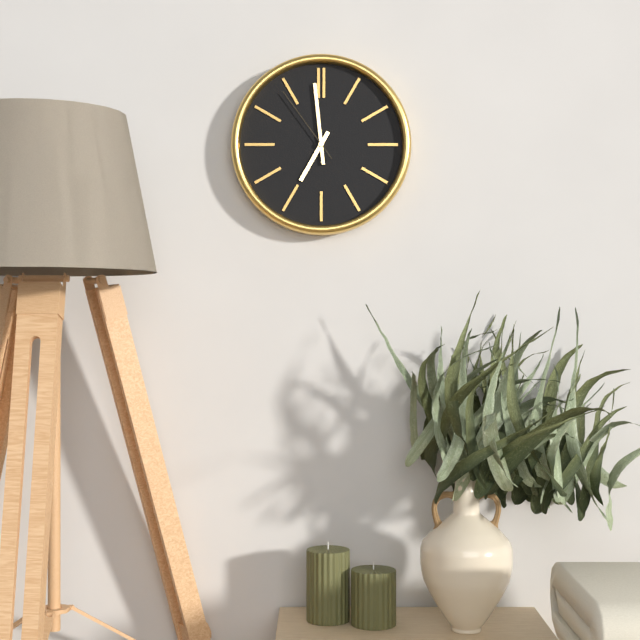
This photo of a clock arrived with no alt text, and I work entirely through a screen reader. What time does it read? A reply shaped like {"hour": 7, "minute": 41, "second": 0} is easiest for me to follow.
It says {"hour": 6, "minute": 59, "second": 54}
